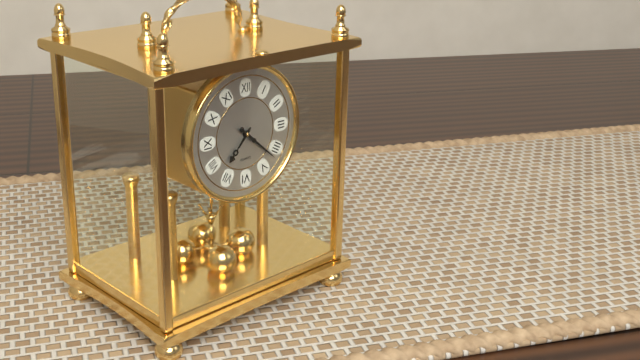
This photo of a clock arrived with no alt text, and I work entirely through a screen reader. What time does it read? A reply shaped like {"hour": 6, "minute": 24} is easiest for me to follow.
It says {"hour": 7, "minute": 22}
